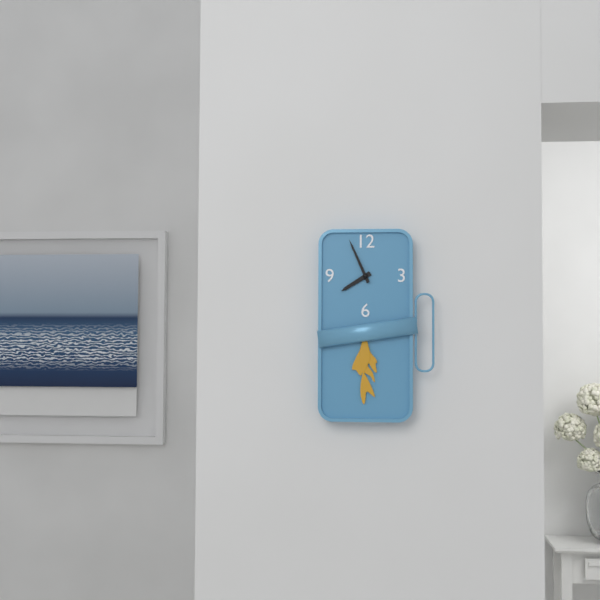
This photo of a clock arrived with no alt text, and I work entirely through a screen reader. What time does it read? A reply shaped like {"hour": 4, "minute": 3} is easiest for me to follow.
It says {"hour": 7, "minute": 56}
